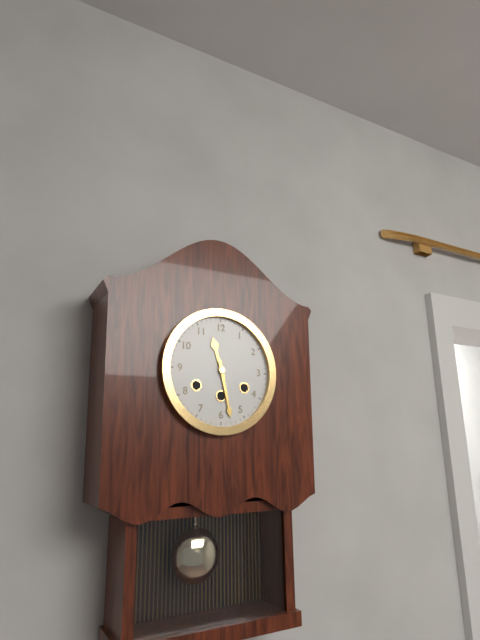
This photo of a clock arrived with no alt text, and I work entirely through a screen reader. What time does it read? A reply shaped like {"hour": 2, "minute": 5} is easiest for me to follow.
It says {"hour": 11, "minute": 28}
